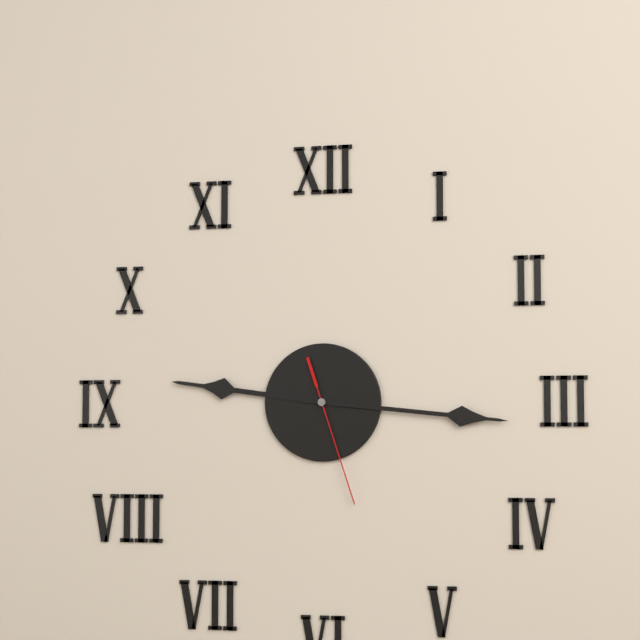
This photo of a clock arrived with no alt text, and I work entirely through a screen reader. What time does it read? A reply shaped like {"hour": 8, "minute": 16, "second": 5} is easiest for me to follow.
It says {"hour": 9, "minute": 16, "second": 27}
